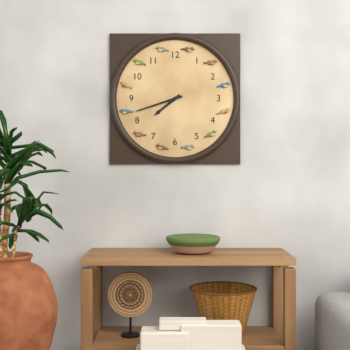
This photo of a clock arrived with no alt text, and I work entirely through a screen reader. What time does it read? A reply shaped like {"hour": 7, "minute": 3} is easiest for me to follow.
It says {"hour": 7, "minute": 42}
